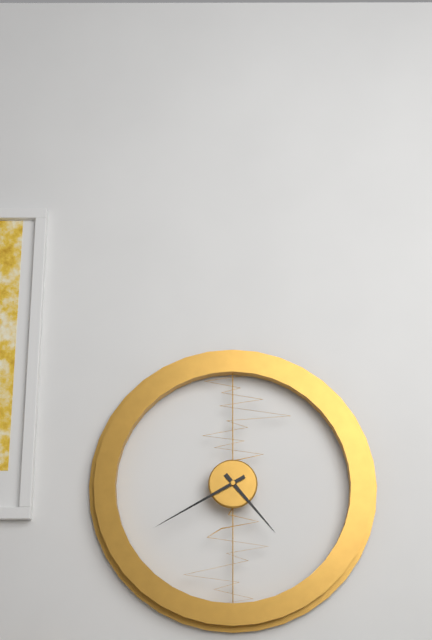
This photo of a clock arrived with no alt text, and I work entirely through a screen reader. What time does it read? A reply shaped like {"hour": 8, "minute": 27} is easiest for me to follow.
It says {"hour": 4, "minute": 40}
